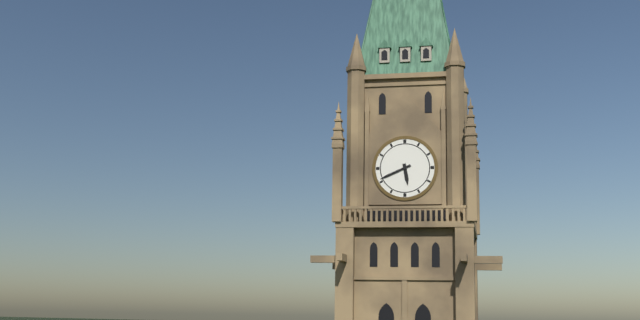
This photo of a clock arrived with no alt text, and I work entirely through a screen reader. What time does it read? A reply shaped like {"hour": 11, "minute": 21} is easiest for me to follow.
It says {"hour": 5, "minute": 41}
